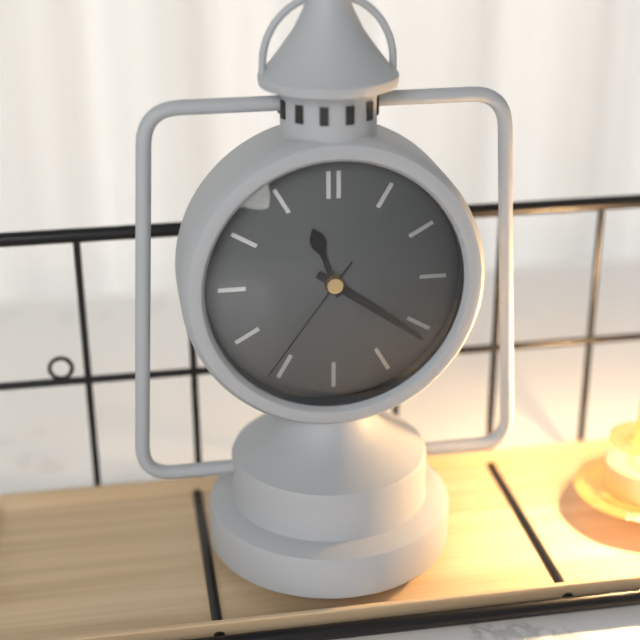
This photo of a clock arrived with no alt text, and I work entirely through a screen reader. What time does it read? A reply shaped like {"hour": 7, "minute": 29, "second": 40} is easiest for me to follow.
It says {"hour": 11, "minute": 21, "second": 36}
